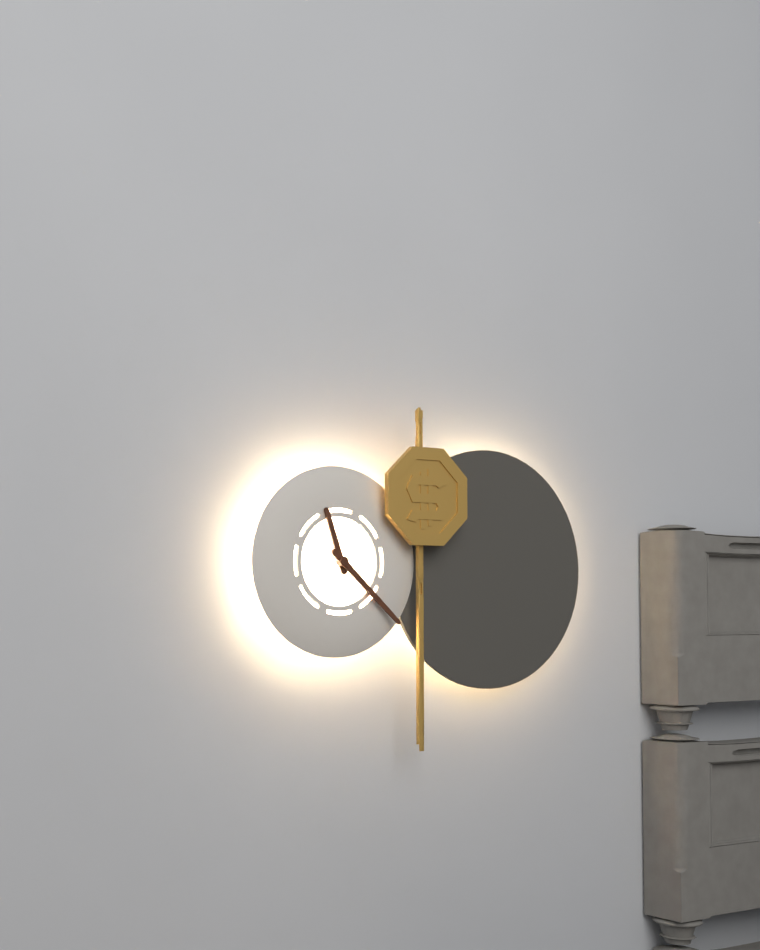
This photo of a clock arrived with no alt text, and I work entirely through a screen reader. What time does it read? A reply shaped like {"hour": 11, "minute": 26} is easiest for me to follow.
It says {"hour": 11, "minute": 22}
